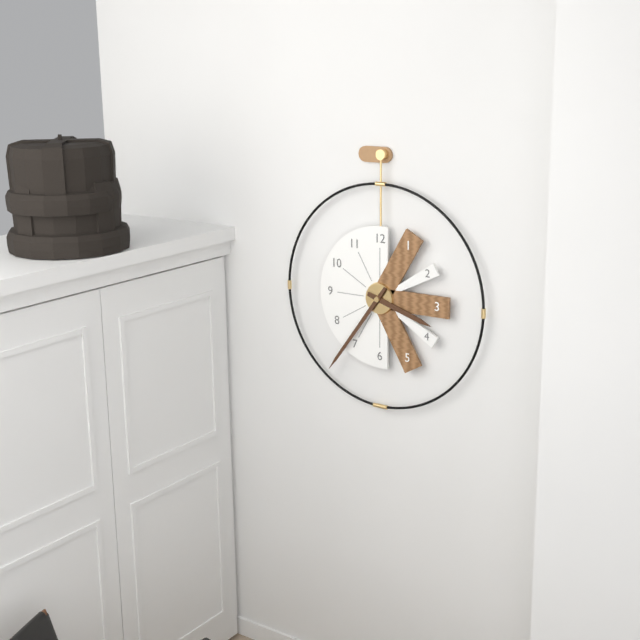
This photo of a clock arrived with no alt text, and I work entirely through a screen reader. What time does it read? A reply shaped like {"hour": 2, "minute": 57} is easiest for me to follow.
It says {"hour": 3, "minute": 36}
